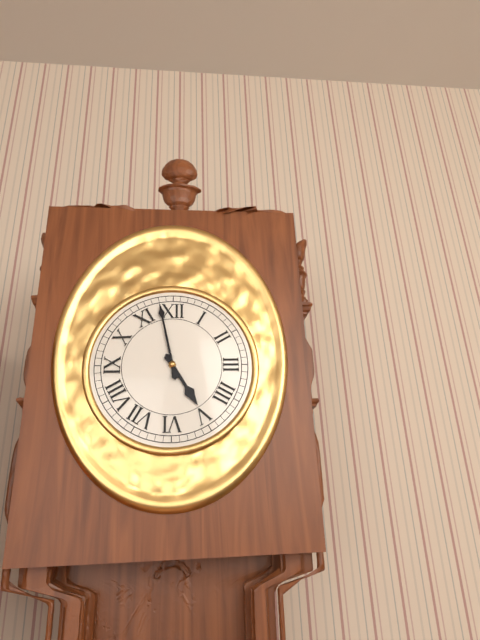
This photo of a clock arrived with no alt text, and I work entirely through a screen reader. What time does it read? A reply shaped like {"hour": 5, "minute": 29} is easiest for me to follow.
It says {"hour": 4, "minute": 58}
